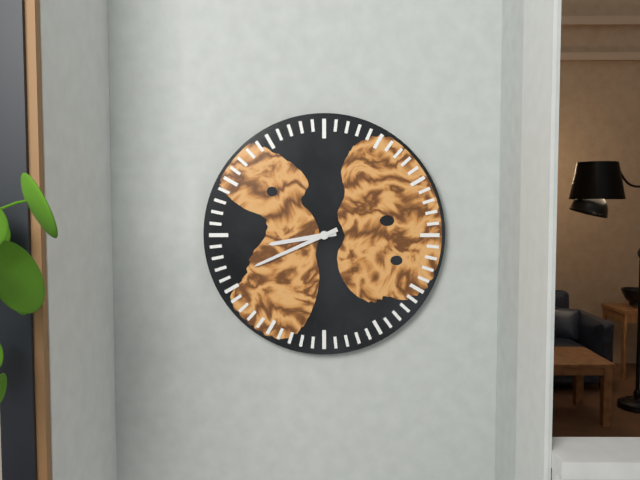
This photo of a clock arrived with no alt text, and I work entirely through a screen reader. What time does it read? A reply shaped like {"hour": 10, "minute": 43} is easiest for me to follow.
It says {"hour": 8, "minute": 41}
